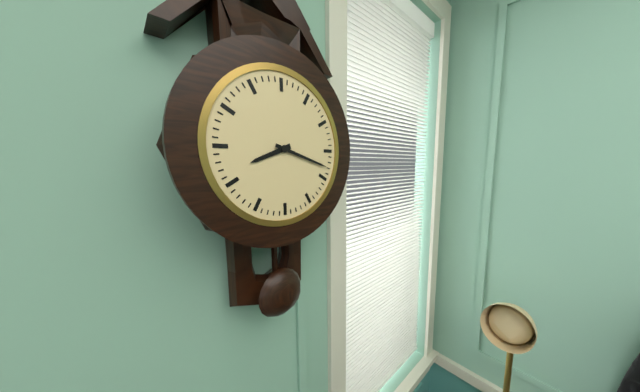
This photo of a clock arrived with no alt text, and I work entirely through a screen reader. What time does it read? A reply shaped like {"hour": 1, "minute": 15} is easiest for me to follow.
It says {"hour": 8, "minute": 18}
